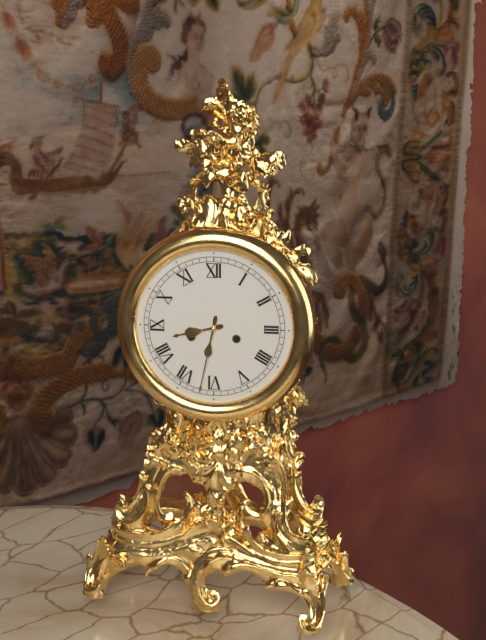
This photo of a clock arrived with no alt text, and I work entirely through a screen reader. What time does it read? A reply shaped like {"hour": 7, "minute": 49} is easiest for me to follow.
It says {"hour": 8, "minute": 32}
